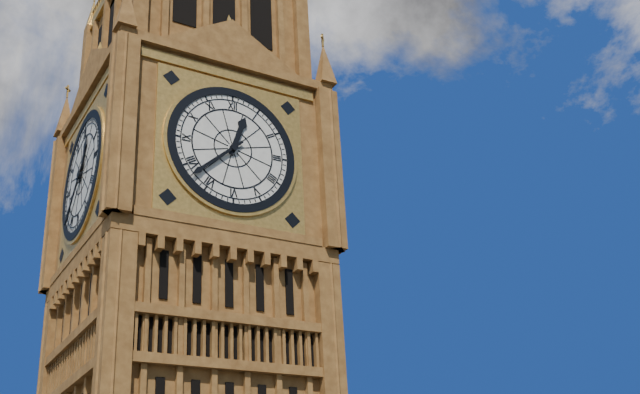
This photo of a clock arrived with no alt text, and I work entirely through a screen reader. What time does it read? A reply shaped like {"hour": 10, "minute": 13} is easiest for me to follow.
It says {"hour": 12, "minute": 38}
